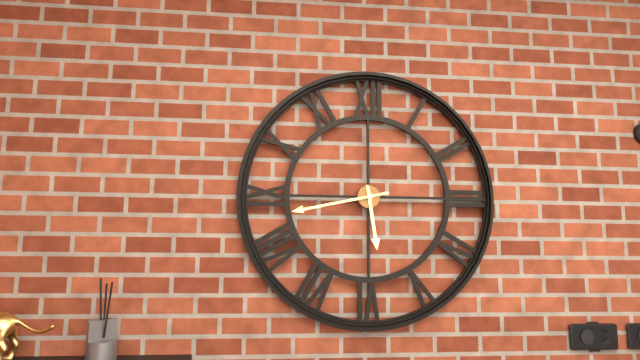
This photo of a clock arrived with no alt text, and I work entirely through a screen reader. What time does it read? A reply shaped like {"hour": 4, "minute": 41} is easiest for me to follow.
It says {"hour": 5, "minute": 43}
